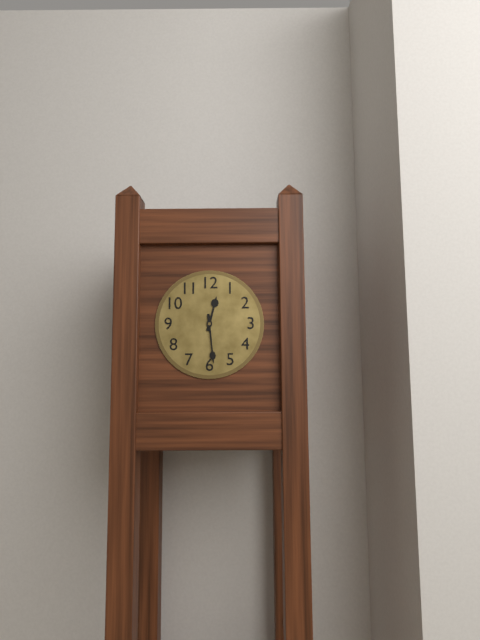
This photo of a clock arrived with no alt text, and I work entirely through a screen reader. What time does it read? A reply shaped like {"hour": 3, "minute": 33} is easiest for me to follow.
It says {"hour": 12, "minute": 29}
